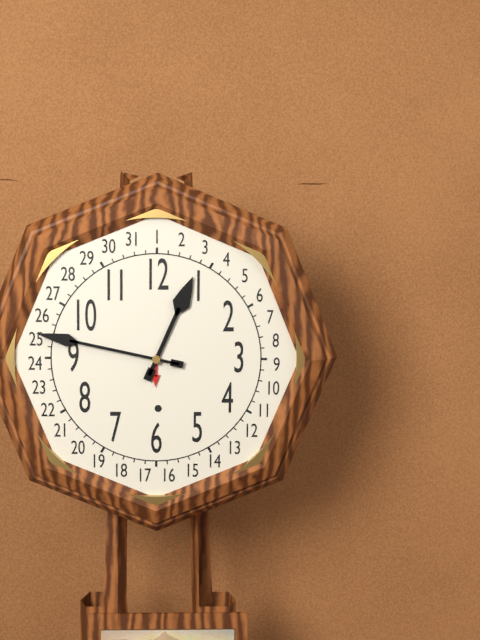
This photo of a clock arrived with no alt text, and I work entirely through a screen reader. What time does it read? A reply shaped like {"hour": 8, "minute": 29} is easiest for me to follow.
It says {"hour": 12, "minute": 47}
